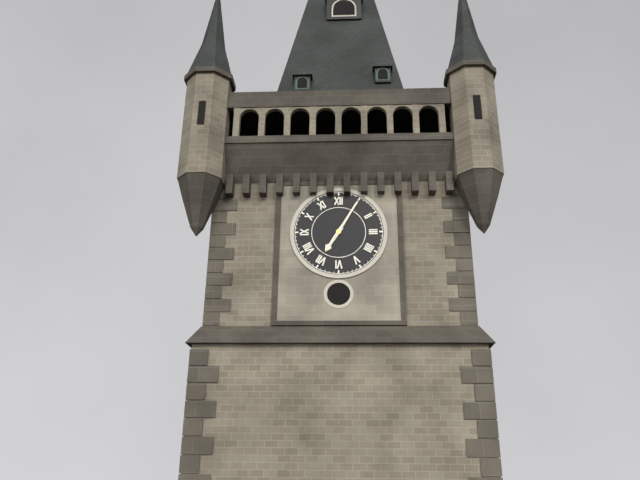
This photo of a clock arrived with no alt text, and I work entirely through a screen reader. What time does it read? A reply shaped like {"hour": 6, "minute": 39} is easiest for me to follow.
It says {"hour": 7, "minute": 5}
